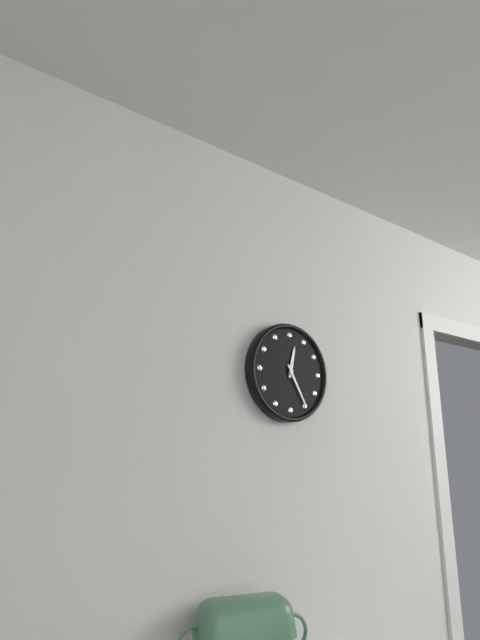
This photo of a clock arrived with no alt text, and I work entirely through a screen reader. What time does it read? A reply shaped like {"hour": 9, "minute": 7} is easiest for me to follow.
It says {"hour": 12, "minute": 25}
